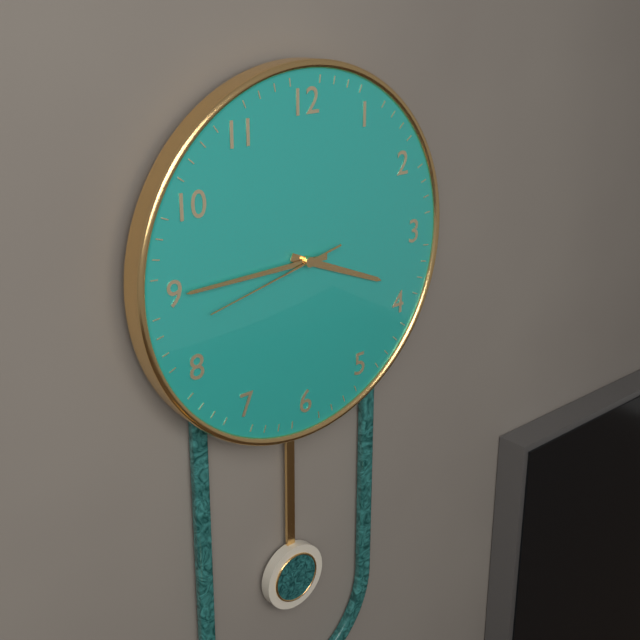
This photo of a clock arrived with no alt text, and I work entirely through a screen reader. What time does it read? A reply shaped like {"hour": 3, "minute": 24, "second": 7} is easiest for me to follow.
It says {"hour": 3, "minute": 45, "second": 43}
